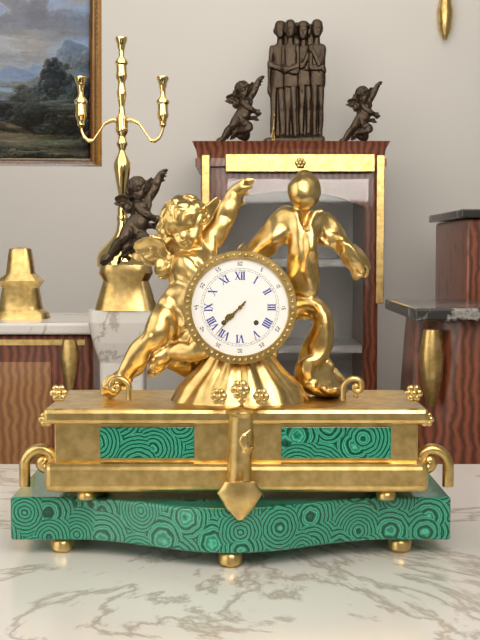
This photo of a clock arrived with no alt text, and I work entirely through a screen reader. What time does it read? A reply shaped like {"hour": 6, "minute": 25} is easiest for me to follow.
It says {"hour": 7, "minute": 37}
